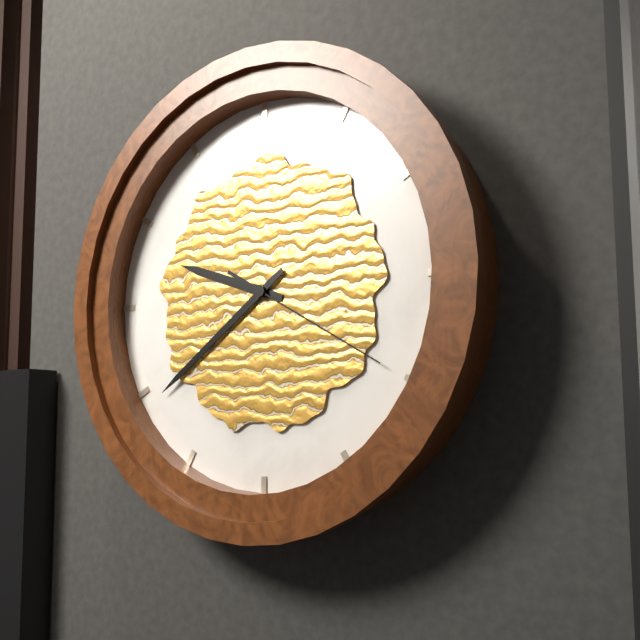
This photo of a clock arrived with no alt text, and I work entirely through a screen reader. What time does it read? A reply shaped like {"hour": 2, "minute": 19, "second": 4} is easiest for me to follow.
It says {"hour": 9, "minute": 39, "second": 20}
